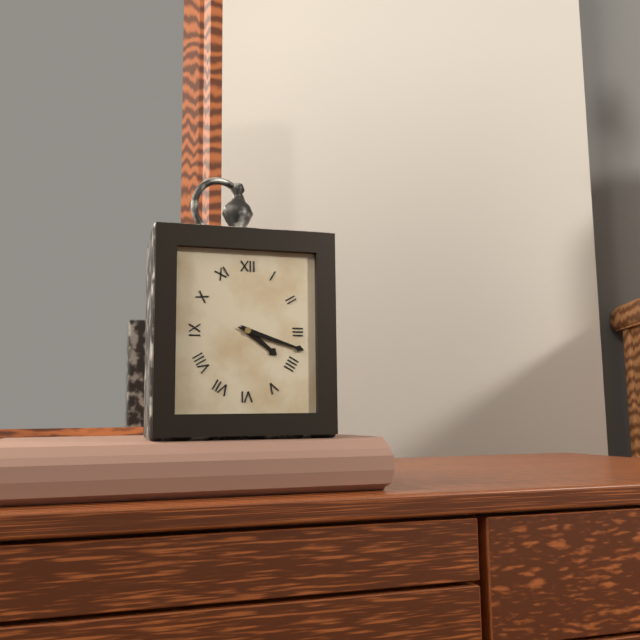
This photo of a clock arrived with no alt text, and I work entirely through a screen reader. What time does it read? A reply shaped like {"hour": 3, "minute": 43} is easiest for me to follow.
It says {"hour": 4, "minute": 18}
